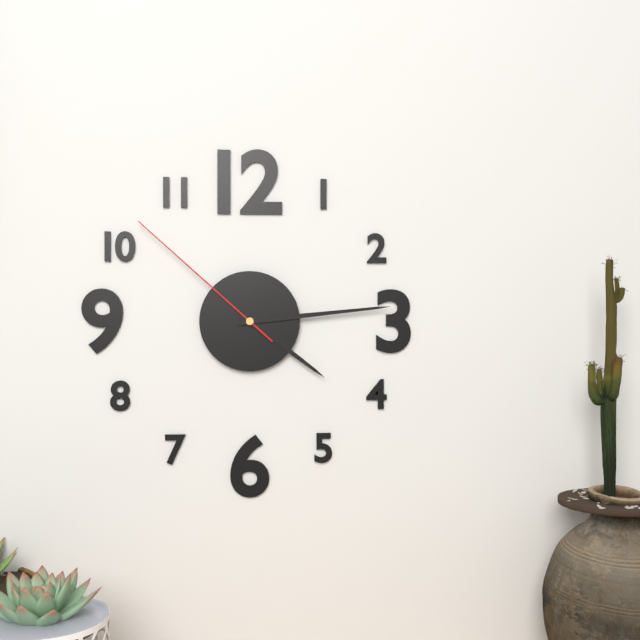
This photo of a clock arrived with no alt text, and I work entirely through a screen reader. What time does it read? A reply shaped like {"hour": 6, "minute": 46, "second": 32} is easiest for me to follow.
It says {"hour": 4, "minute": 14, "second": 52}
